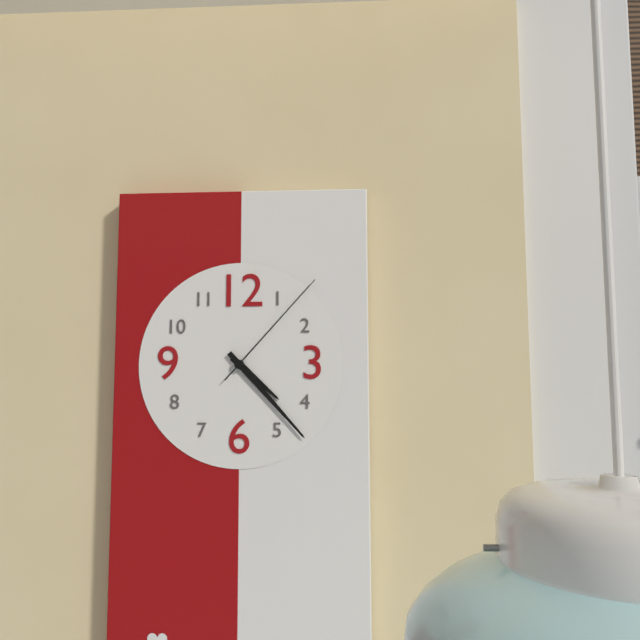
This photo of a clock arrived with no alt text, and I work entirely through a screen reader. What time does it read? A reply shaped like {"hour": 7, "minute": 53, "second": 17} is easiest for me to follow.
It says {"hour": 4, "minute": 23, "second": 7}
